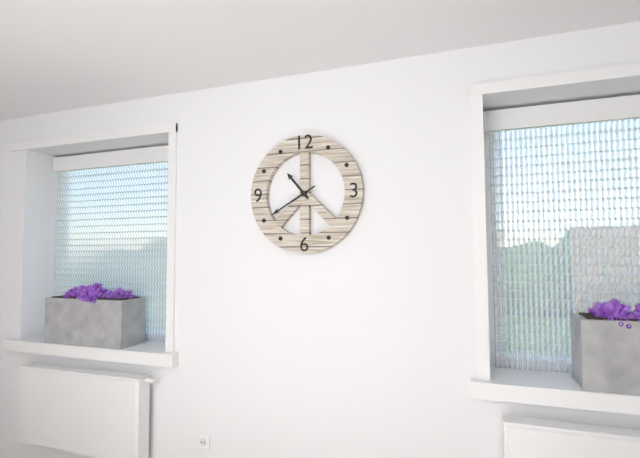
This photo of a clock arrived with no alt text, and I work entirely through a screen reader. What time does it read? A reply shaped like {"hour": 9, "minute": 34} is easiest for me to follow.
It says {"hour": 10, "minute": 40}
